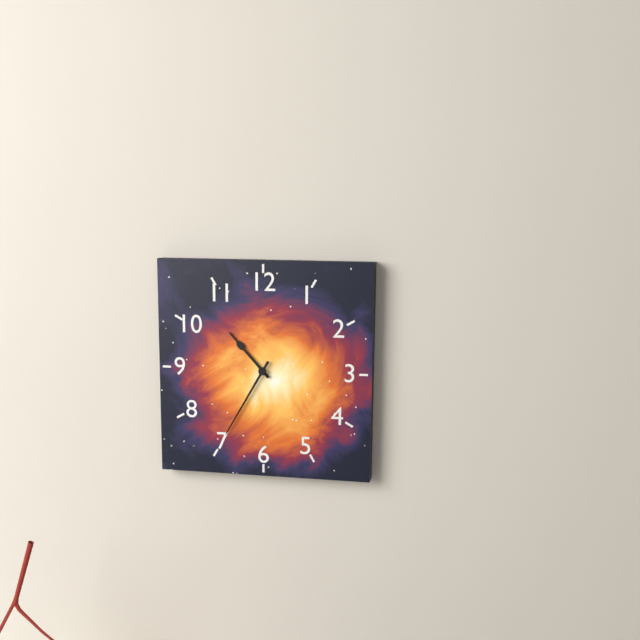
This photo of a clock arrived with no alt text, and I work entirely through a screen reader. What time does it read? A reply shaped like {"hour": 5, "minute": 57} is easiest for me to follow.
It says {"hour": 10, "minute": 35}
